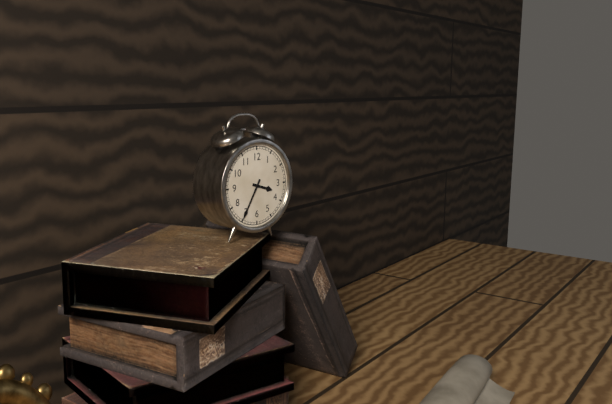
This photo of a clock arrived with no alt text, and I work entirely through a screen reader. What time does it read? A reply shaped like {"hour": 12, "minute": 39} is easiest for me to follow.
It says {"hour": 3, "minute": 35}
